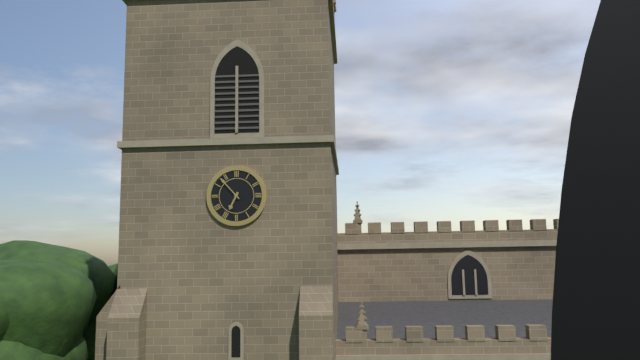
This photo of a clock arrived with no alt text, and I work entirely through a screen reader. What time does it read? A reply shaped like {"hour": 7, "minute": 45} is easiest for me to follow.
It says {"hour": 6, "minute": 53}
